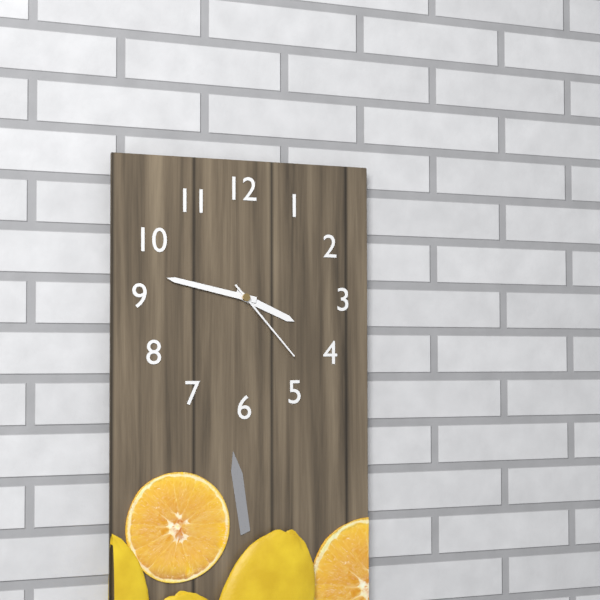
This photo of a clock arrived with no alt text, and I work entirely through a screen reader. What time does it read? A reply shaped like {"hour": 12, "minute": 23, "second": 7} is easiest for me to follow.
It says {"hour": 3, "minute": 47, "second": 23}
